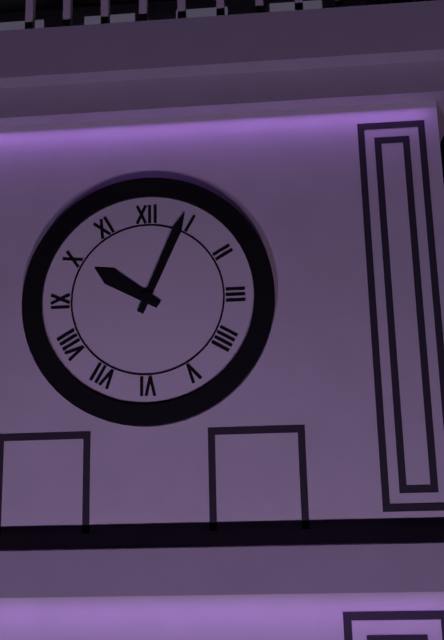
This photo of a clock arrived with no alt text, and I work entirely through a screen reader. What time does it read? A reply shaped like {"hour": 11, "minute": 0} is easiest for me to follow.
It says {"hour": 10, "minute": 4}
